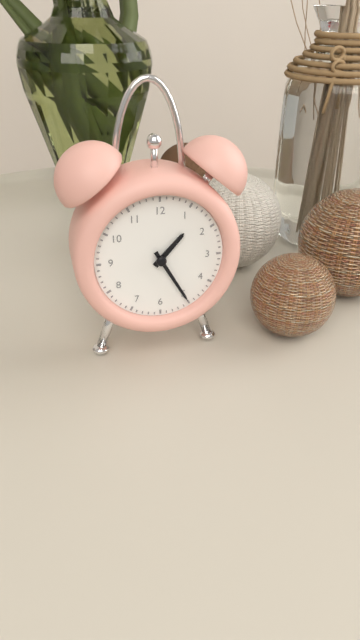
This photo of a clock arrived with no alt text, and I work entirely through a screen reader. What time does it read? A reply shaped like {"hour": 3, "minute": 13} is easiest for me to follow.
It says {"hour": 1, "minute": 25}
